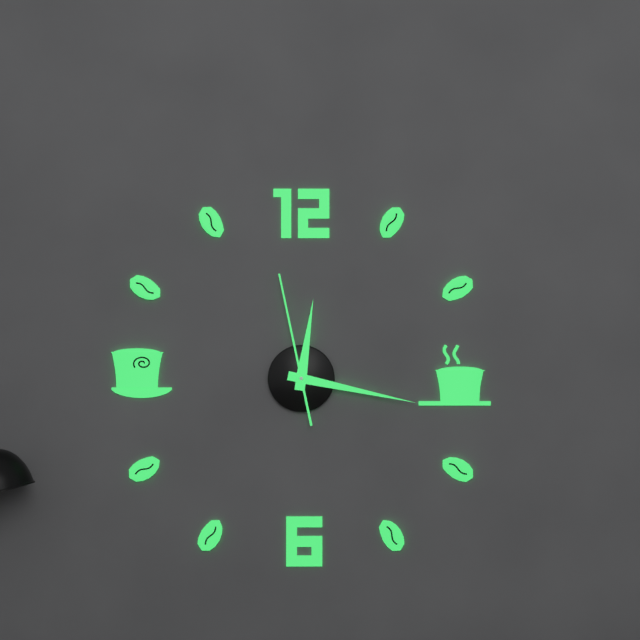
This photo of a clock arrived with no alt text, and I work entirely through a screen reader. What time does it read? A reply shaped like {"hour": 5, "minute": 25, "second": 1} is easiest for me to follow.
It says {"hour": 12, "minute": 17, "second": 58}
